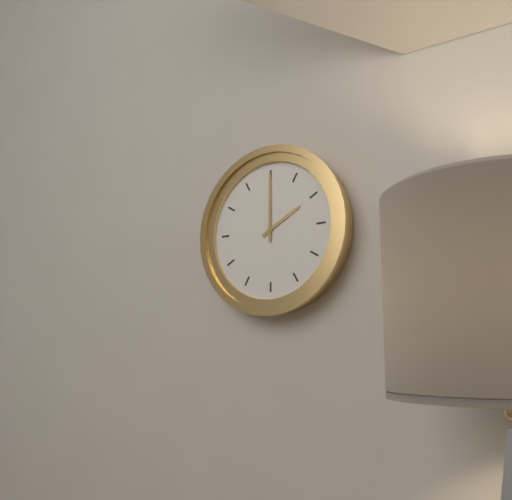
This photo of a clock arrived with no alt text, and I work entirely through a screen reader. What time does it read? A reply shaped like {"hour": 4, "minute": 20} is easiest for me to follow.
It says {"hour": 2, "minute": 0}
